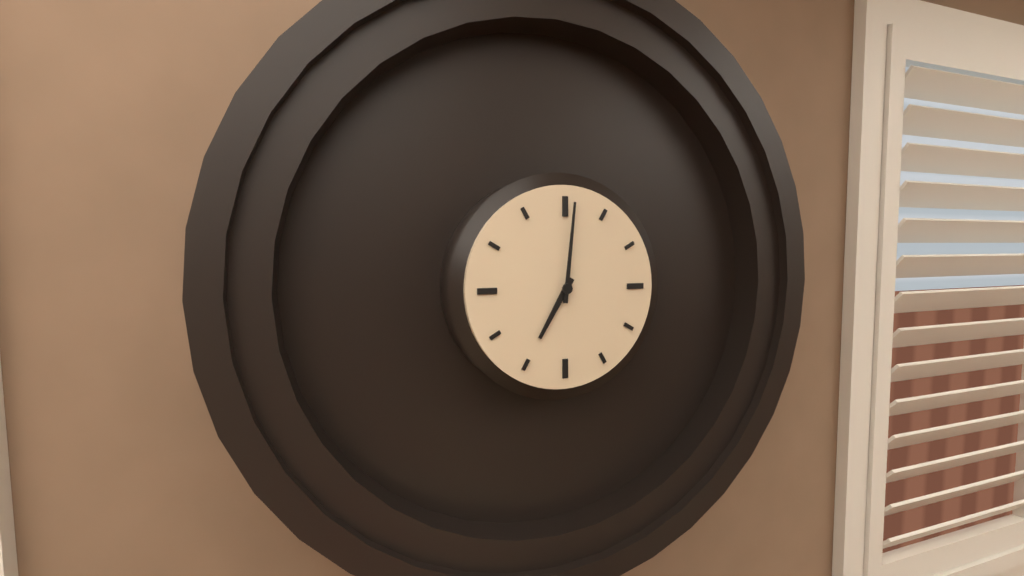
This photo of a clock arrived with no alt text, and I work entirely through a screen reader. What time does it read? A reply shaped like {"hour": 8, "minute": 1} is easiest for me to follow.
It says {"hour": 7, "minute": 1}
